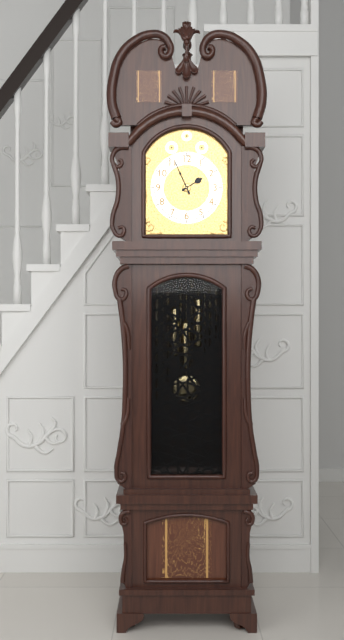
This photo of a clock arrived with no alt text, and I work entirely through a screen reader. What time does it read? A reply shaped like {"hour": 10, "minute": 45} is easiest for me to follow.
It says {"hour": 1, "minute": 56}
